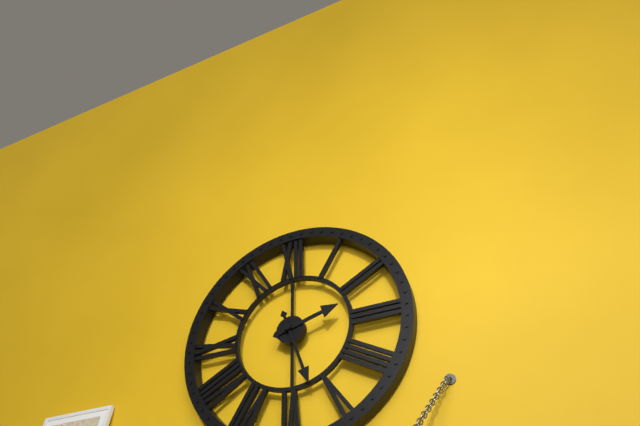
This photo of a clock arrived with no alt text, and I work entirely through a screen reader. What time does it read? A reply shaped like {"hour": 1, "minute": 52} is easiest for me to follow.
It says {"hour": 2, "minute": 27}
